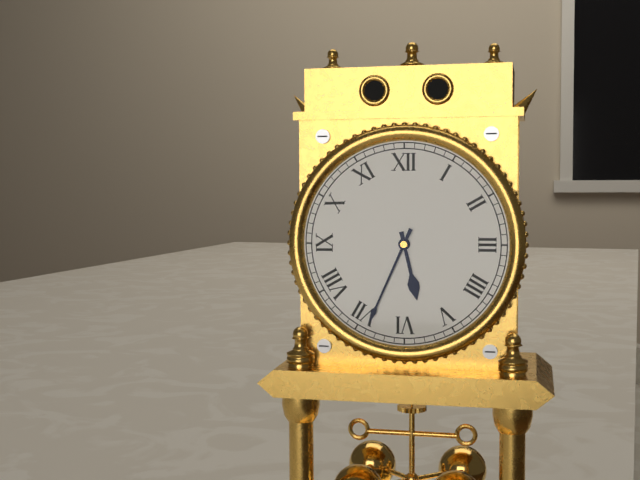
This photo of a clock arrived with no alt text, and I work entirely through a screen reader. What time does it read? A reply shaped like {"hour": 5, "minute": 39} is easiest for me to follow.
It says {"hour": 5, "minute": 34}
